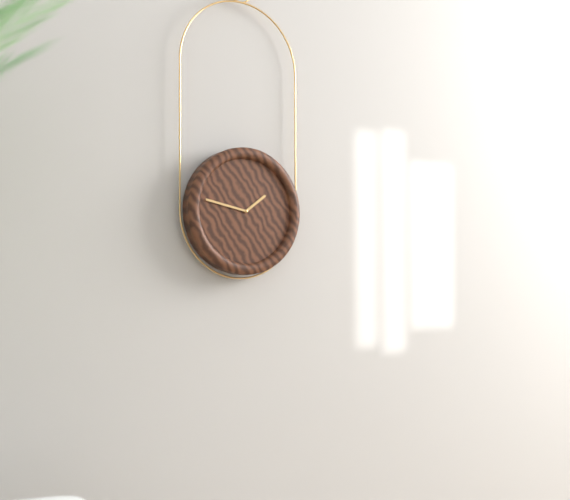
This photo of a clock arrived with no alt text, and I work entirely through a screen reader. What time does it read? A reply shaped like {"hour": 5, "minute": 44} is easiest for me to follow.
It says {"hour": 1, "minute": 47}
